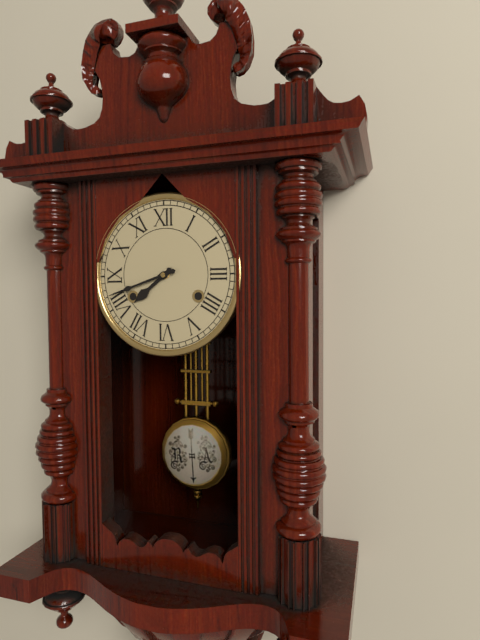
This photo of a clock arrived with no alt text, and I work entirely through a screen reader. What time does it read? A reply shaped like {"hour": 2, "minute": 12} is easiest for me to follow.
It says {"hour": 7, "minute": 42}
